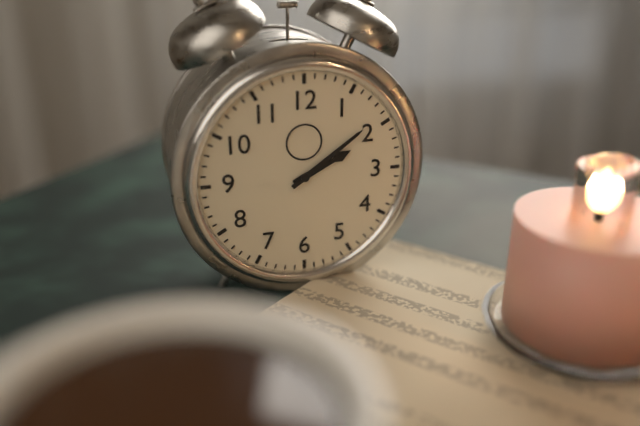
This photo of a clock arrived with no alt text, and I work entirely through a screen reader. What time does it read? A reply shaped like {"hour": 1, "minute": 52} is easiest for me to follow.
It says {"hour": 2, "minute": 9}
